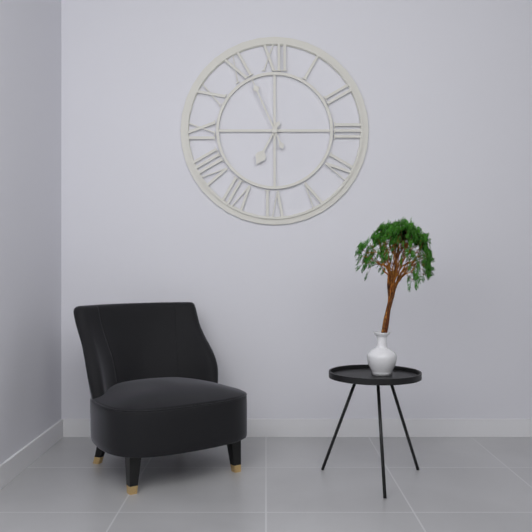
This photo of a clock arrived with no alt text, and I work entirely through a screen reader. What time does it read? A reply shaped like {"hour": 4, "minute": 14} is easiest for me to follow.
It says {"hour": 6, "minute": 56}
